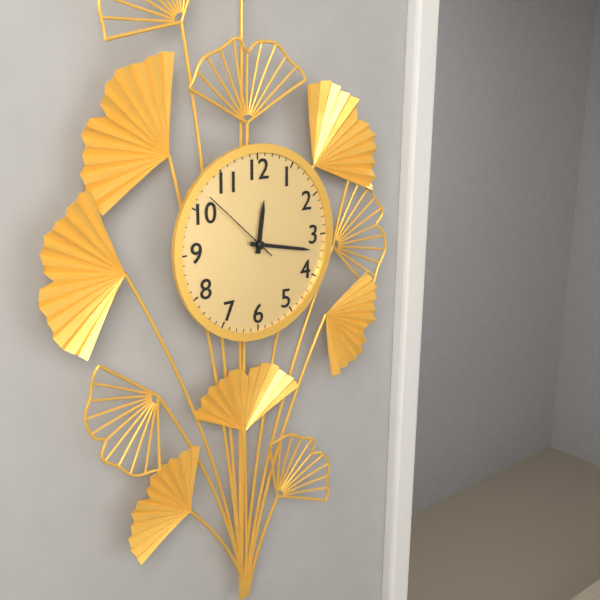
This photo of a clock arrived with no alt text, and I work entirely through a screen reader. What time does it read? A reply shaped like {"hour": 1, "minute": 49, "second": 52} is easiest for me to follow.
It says {"hour": 12, "minute": 17, "second": 52}
